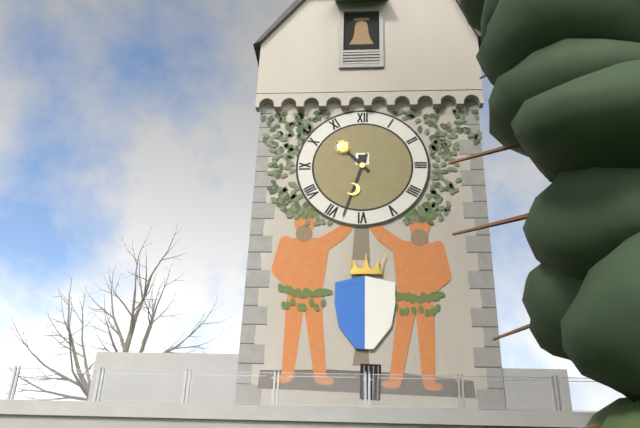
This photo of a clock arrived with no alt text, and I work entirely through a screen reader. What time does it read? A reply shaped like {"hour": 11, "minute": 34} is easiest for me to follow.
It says {"hour": 10, "minute": 33}
